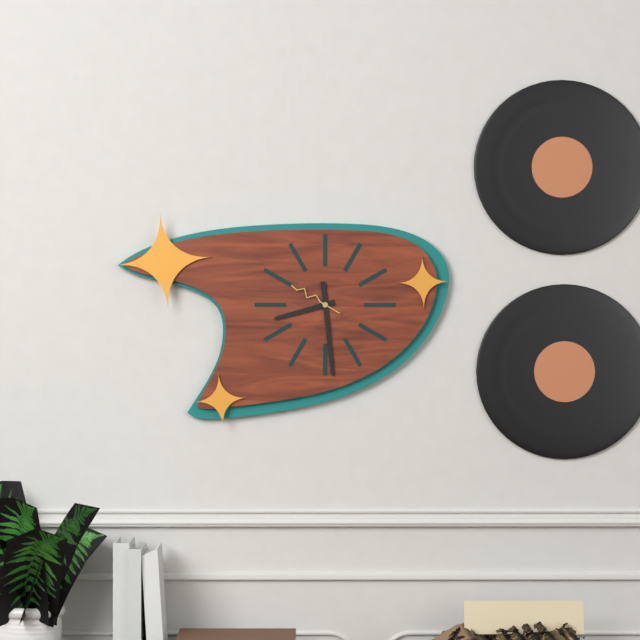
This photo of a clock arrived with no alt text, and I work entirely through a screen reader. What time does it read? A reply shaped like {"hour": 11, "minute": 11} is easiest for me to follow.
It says {"hour": 8, "minute": 29}
